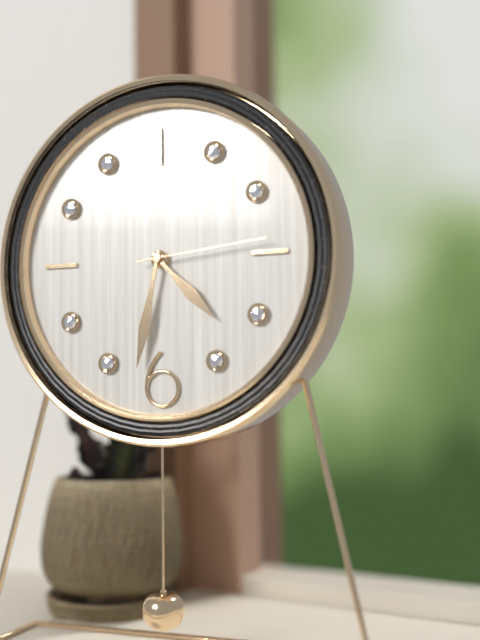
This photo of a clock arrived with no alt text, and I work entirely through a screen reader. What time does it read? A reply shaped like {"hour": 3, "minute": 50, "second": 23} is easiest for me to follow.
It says {"hour": 4, "minute": 32, "second": 14}
